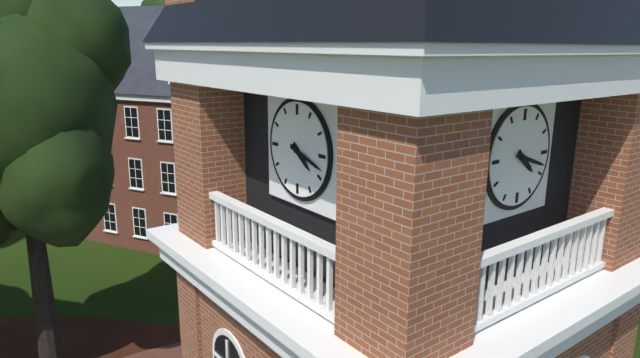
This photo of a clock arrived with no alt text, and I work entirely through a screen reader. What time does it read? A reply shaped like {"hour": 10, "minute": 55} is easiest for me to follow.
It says {"hour": 4, "minute": 18}
